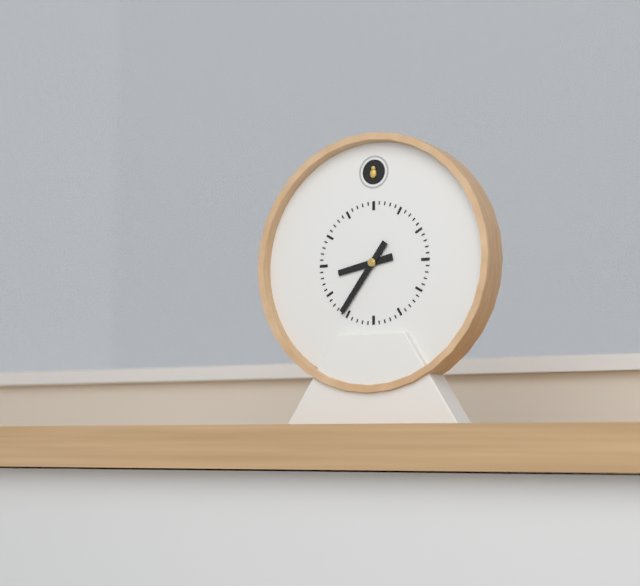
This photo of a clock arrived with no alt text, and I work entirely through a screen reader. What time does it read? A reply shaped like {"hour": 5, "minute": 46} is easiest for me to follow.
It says {"hour": 8, "minute": 36}
